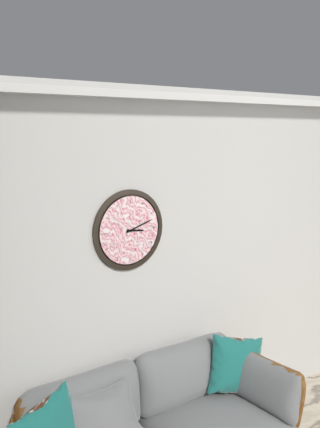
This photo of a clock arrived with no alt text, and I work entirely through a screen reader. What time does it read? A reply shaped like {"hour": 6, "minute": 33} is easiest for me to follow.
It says {"hour": 3, "minute": 12}
